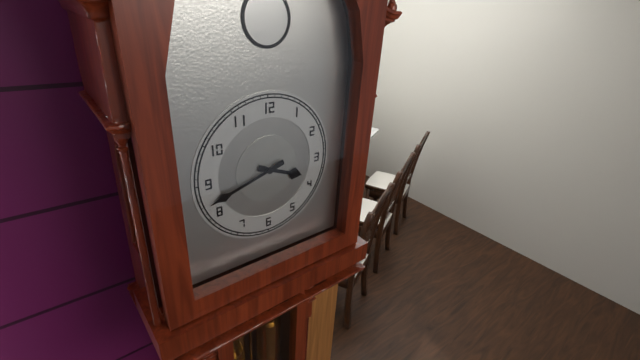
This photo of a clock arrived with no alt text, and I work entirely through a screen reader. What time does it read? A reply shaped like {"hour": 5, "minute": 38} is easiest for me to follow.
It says {"hour": 3, "minute": 42}
